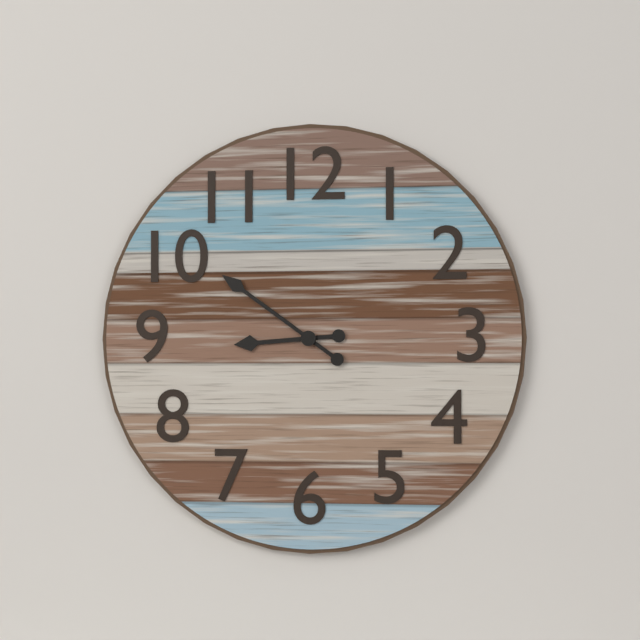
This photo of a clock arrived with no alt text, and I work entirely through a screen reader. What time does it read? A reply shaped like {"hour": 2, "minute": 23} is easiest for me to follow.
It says {"hour": 8, "minute": 51}
